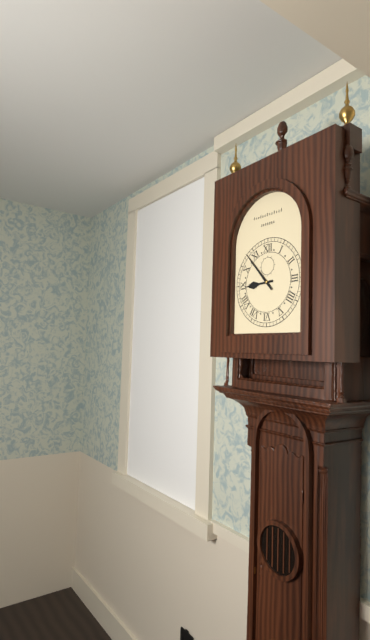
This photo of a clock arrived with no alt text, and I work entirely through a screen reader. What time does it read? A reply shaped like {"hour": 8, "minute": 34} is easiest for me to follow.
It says {"hour": 8, "minute": 53}
